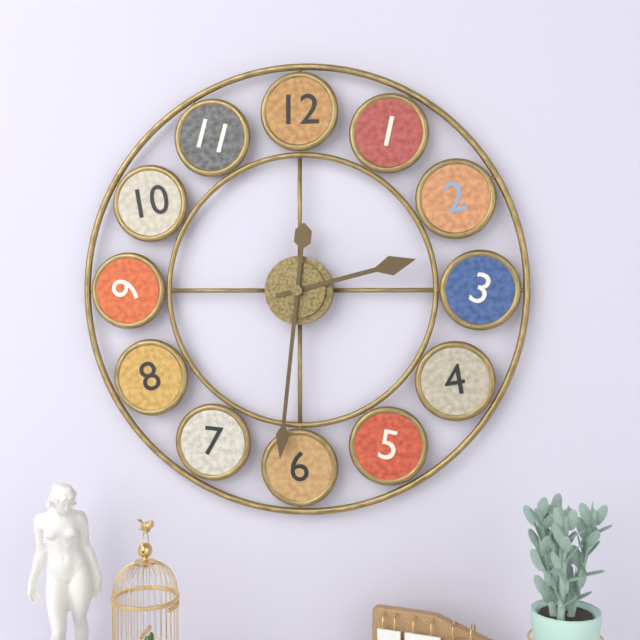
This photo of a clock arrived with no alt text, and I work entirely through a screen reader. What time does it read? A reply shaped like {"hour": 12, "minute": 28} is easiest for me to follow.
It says {"hour": 2, "minute": 31}
